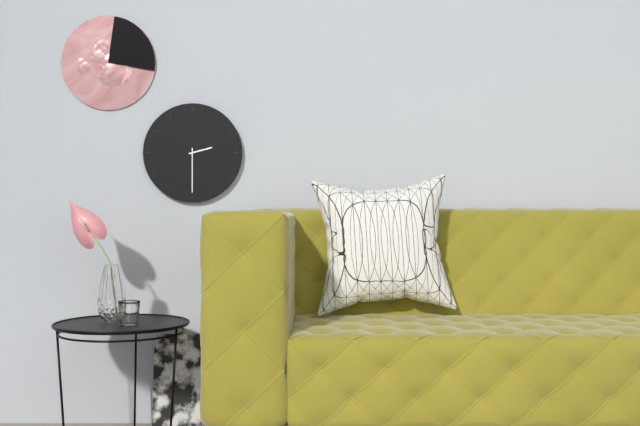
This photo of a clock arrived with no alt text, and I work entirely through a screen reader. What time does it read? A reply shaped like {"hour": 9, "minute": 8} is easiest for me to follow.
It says {"hour": 2, "minute": 30}
